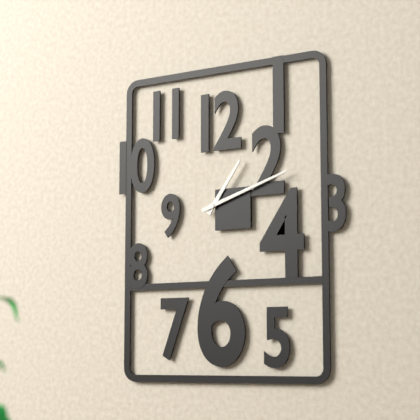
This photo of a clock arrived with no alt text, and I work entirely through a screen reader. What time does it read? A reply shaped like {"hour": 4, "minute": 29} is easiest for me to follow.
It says {"hour": 1, "minute": 12}
